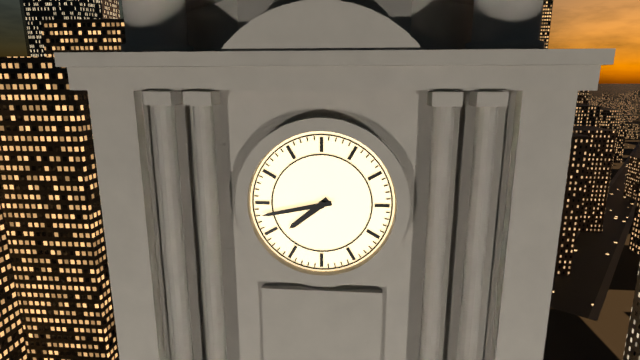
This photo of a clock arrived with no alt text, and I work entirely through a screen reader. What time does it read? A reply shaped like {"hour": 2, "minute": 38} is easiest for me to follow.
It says {"hour": 7, "minute": 43}
